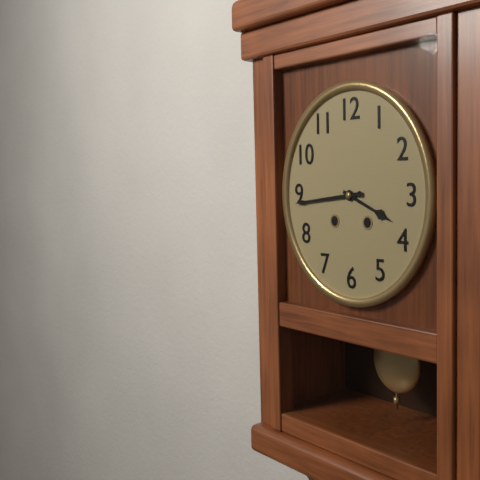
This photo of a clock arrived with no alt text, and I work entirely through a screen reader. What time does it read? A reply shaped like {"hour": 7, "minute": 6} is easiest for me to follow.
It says {"hour": 3, "minute": 44}
